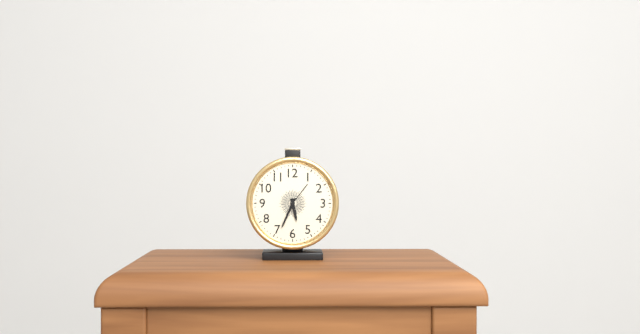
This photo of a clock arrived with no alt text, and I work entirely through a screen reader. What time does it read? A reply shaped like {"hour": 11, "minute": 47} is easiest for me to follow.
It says {"hour": 5, "minute": 34}
